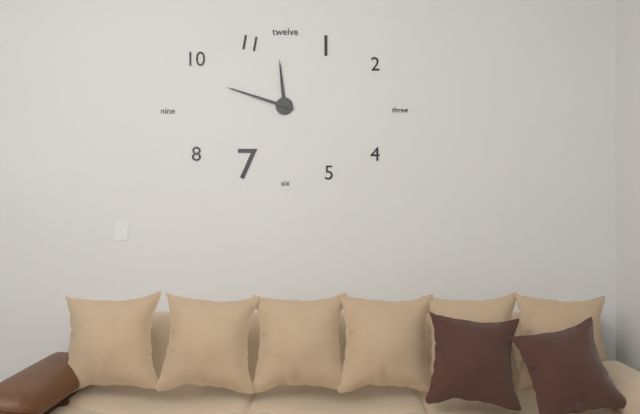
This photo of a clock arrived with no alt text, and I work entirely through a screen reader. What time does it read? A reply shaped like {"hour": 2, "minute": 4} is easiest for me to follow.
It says {"hour": 11, "minute": 48}
